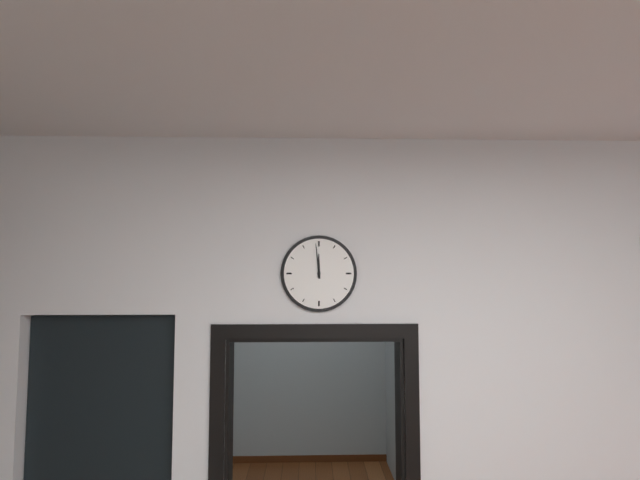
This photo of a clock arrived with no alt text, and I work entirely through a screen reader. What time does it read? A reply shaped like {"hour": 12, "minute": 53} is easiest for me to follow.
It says {"hour": 11, "minute": 59}
